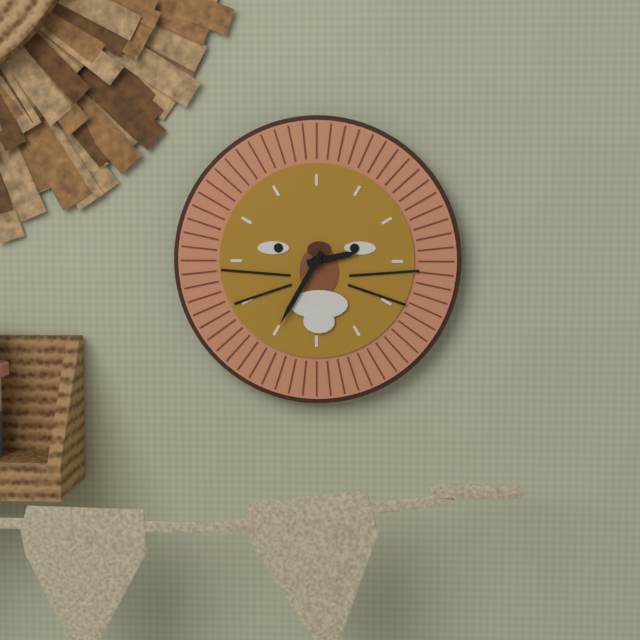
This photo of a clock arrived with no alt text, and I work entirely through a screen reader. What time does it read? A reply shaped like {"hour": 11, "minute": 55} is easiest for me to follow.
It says {"hour": 2, "minute": 35}
